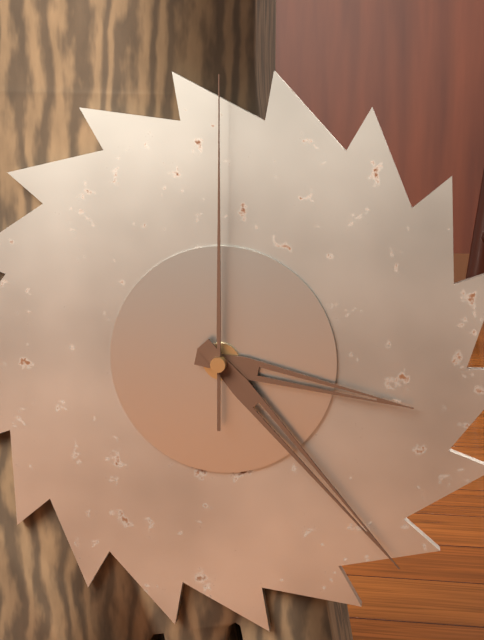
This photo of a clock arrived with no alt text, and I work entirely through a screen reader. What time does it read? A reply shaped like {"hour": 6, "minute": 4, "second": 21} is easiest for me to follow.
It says {"hour": 3, "minute": 23, "second": 0}
